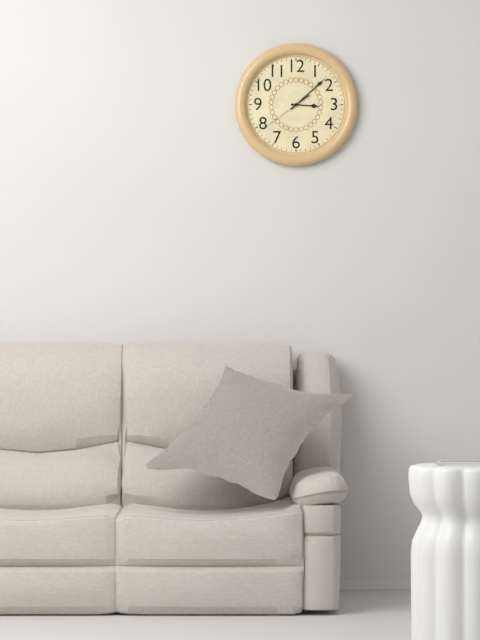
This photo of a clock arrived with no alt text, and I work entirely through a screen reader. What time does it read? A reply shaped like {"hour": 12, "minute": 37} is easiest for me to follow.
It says {"hour": 3, "minute": 8}
